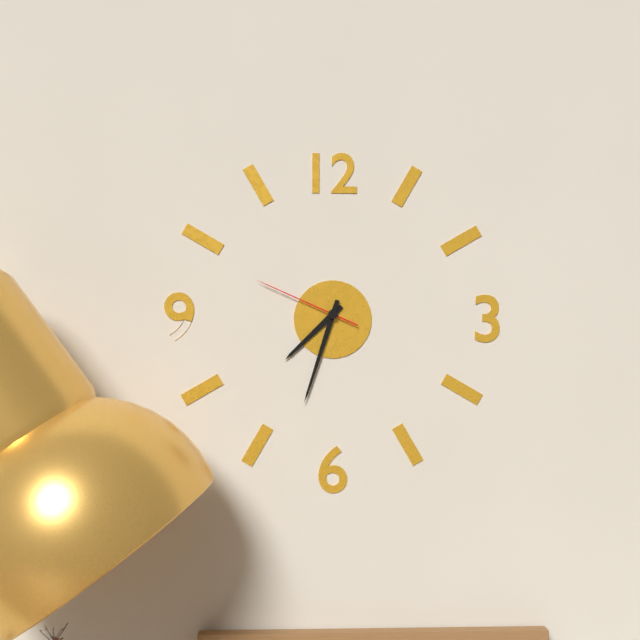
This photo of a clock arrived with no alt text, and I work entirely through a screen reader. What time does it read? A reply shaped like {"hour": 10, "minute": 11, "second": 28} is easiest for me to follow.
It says {"hour": 7, "minute": 33, "second": 49}
